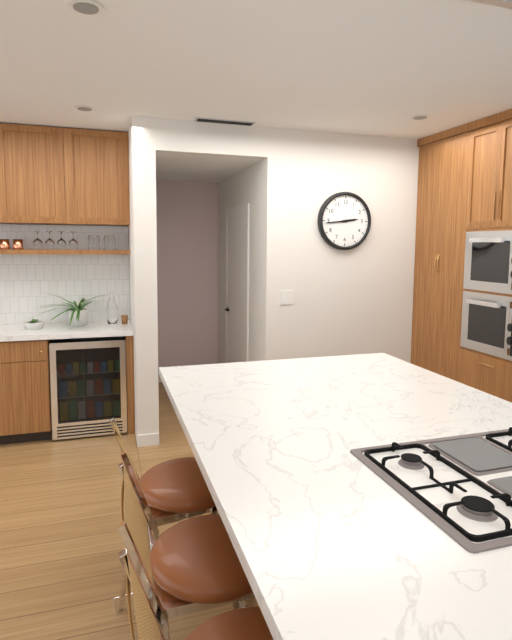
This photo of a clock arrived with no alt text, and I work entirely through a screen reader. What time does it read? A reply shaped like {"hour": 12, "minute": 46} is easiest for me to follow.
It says {"hour": 2, "minute": 44}
